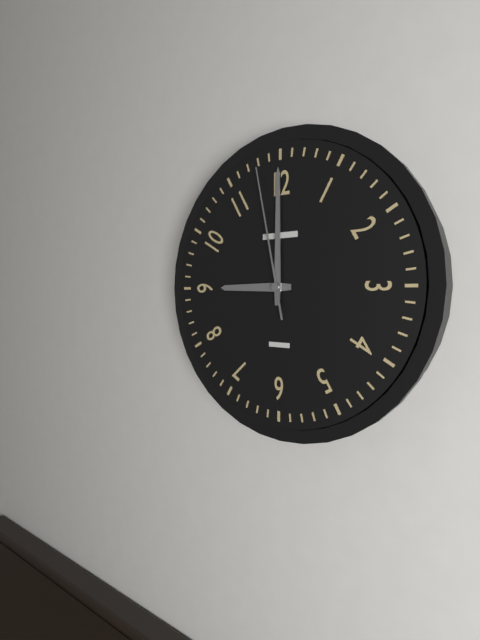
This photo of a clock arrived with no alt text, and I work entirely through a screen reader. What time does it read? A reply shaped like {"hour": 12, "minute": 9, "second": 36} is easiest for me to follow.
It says {"hour": 9, "minute": 0, "second": 58}
